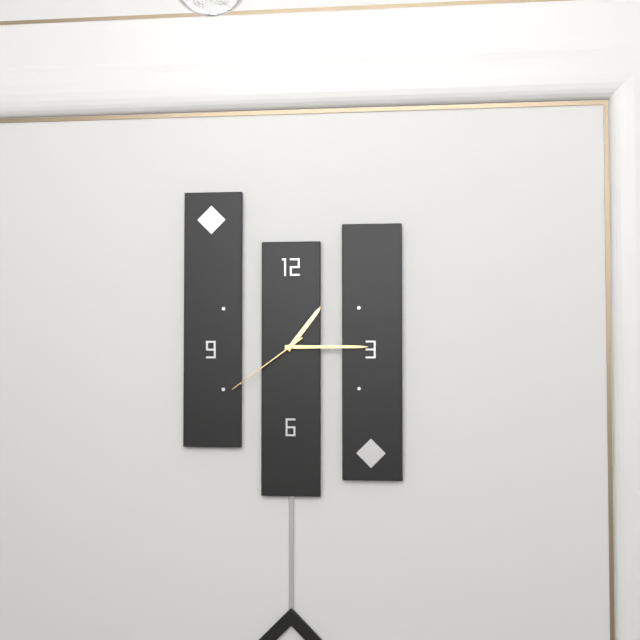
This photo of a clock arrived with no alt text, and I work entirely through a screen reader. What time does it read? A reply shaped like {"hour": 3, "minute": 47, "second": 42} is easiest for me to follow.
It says {"hour": 1, "minute": 15, "second": 39}
